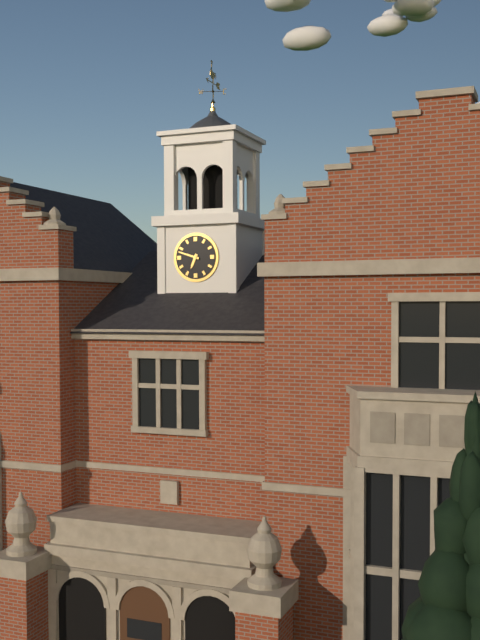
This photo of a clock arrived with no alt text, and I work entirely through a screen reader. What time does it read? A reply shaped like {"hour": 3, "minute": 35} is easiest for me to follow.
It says {"hour": 6, "minute": 48}
